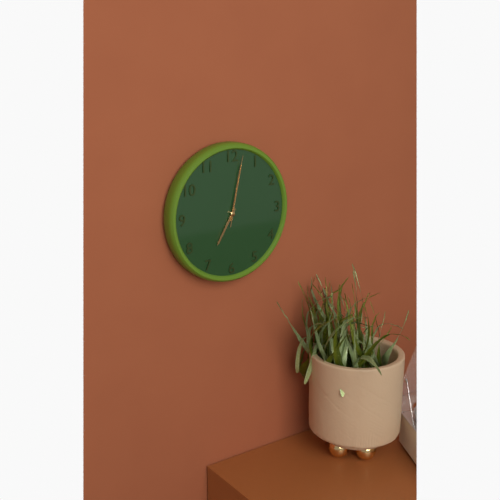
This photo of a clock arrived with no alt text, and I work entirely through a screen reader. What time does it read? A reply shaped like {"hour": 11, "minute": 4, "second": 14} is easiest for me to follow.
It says {"hour": 7, "minute": 2, "second": 2}
